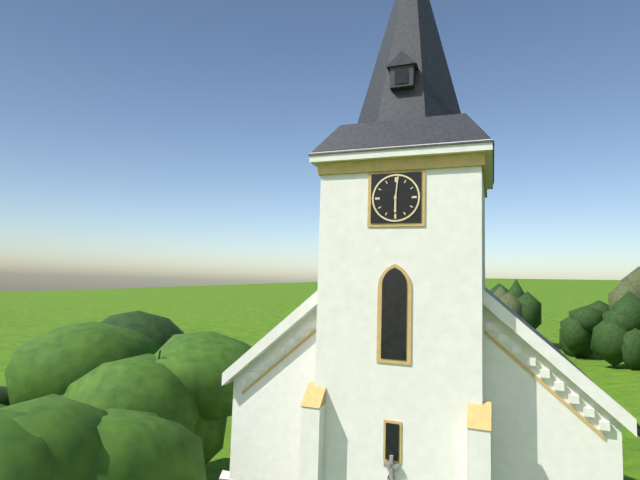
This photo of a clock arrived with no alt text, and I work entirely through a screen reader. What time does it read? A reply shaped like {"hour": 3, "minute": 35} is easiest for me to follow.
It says {"hour": 6, "minute": 1}
